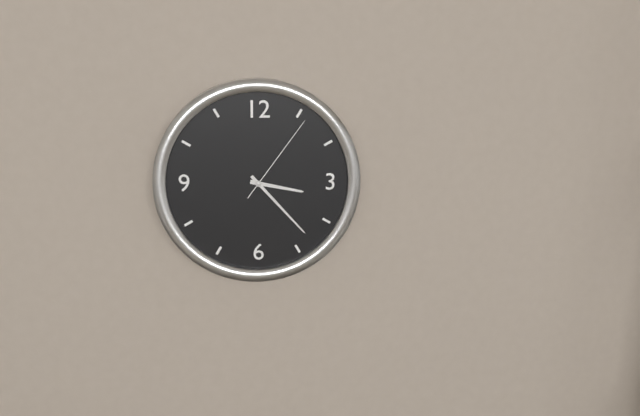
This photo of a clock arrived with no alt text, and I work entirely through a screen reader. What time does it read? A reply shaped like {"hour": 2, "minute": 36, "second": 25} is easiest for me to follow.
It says {"hour": 3, "minute": 23, "second": 6}
